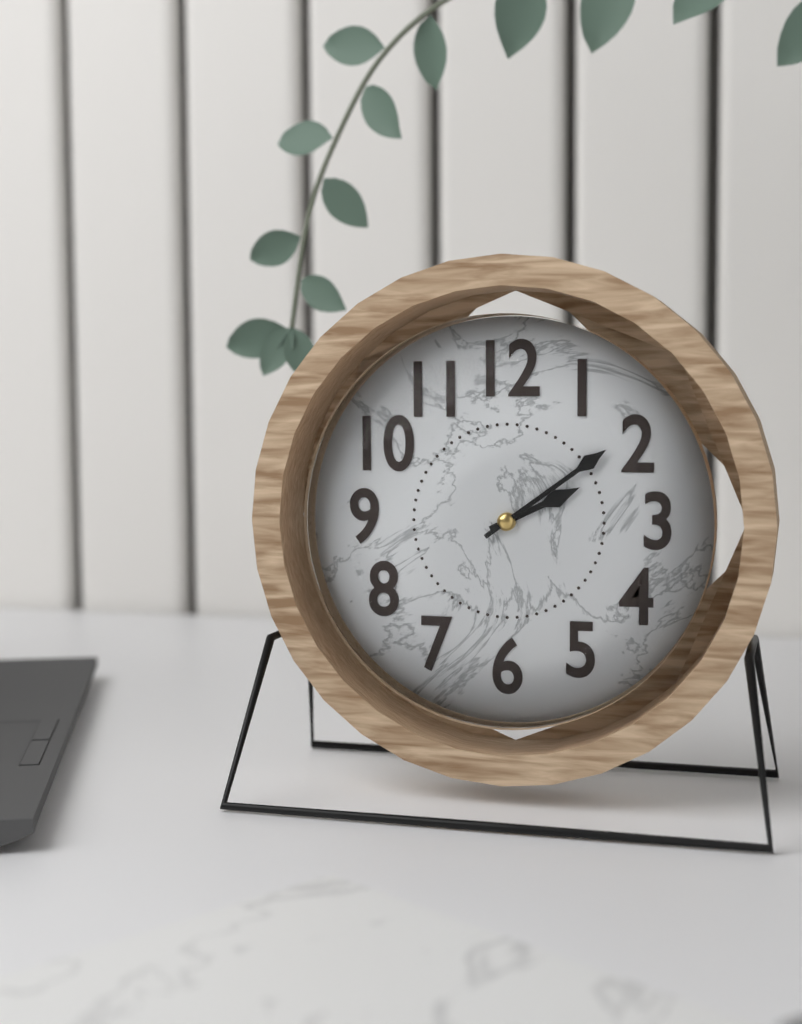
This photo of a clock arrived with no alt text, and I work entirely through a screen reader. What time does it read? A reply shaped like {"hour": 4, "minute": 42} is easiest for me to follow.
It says {"hour": 2, "minute": 9}
